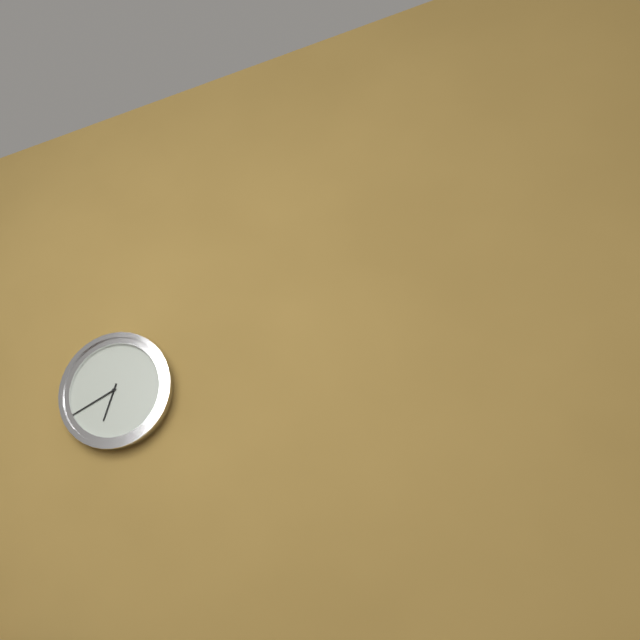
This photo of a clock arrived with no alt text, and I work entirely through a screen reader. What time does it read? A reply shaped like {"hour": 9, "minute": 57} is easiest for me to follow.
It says {"hour": 6, "minute": 41}
